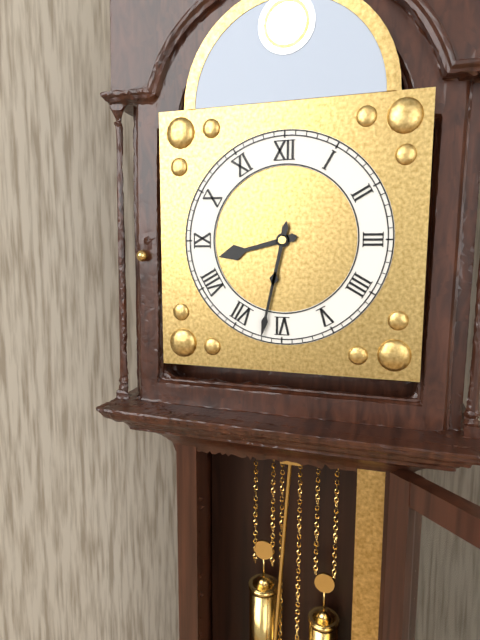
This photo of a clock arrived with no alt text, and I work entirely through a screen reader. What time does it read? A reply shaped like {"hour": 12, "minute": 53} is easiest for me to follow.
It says {"hour": 8, "minute": 32}
